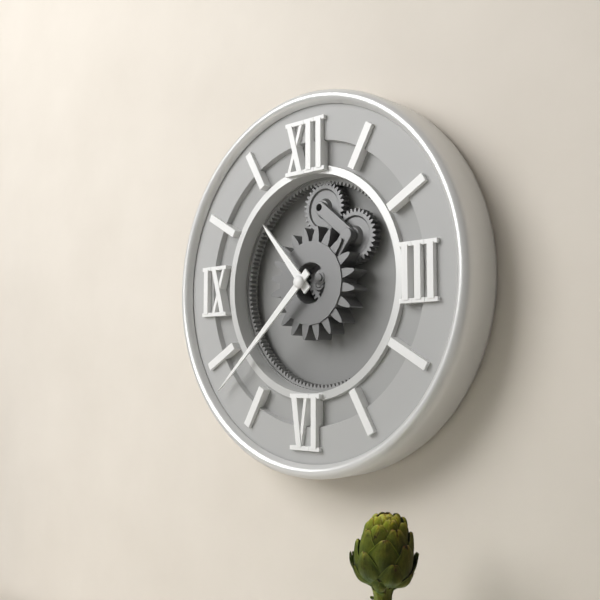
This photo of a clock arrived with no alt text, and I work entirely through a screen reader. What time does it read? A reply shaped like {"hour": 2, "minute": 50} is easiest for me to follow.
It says {"hour": 10, "minute": 38}
